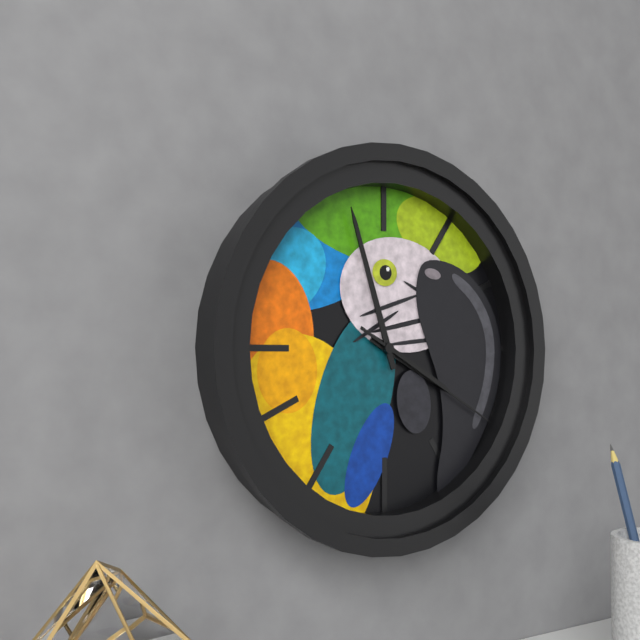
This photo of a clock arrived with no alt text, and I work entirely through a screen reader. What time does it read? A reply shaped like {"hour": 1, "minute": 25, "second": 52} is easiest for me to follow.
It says {"hour": 3, "minute": 57, "second": 20}
